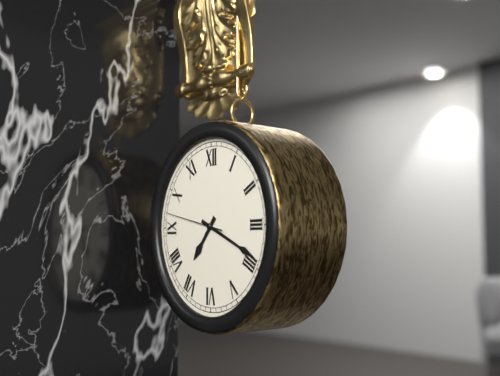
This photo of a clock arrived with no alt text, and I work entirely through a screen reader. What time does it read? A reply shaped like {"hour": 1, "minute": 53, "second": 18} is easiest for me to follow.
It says {"hour": 7, "minute": 19, "second": 47}
